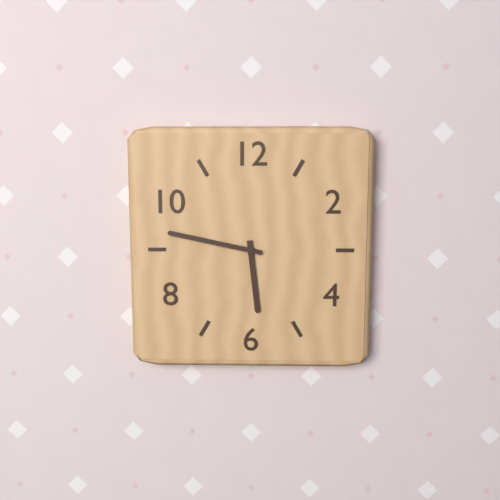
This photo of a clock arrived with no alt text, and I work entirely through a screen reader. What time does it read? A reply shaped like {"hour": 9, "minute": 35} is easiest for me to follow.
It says {"hour": 5, "minute": 47}
